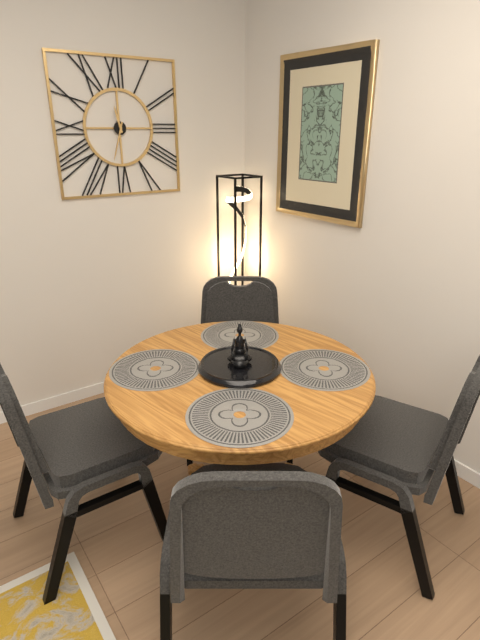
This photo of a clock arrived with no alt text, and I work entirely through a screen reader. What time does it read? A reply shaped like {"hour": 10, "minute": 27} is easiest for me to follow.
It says {"hour": 11, "minute": 33}
